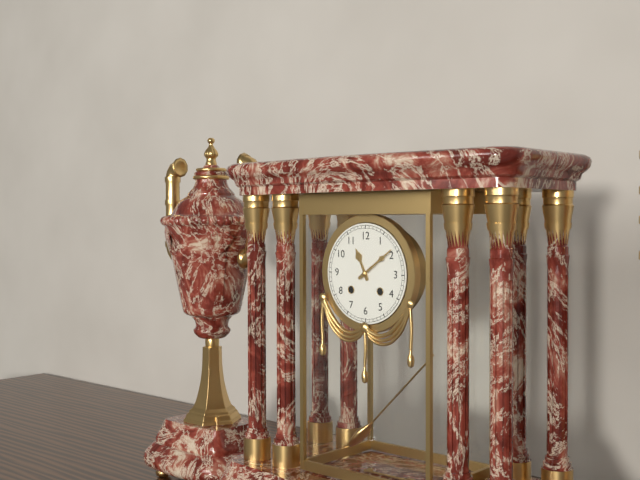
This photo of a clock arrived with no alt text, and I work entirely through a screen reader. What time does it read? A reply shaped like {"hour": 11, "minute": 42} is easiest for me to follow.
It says {"hour": 11, "minute": 9}
